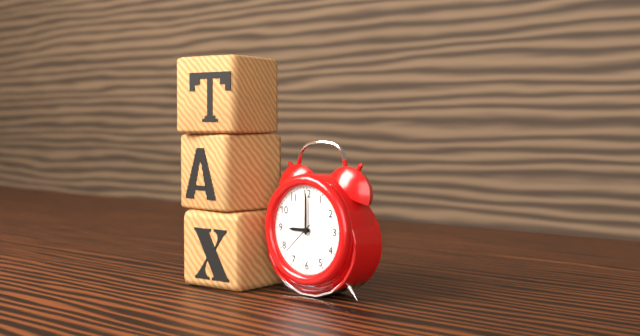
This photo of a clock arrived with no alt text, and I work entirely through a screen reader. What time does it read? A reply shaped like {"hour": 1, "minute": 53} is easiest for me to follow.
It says {"hour": 9, "minute": 0}
